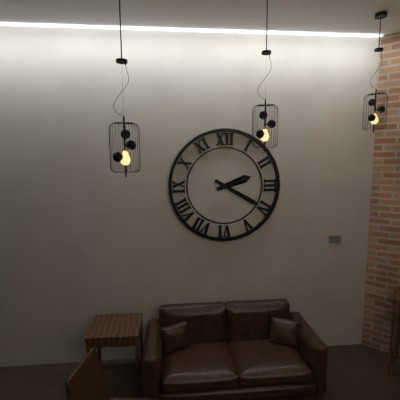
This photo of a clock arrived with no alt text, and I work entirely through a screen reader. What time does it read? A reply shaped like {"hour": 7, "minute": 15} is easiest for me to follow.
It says {"hour": 2, "minute": 20}
